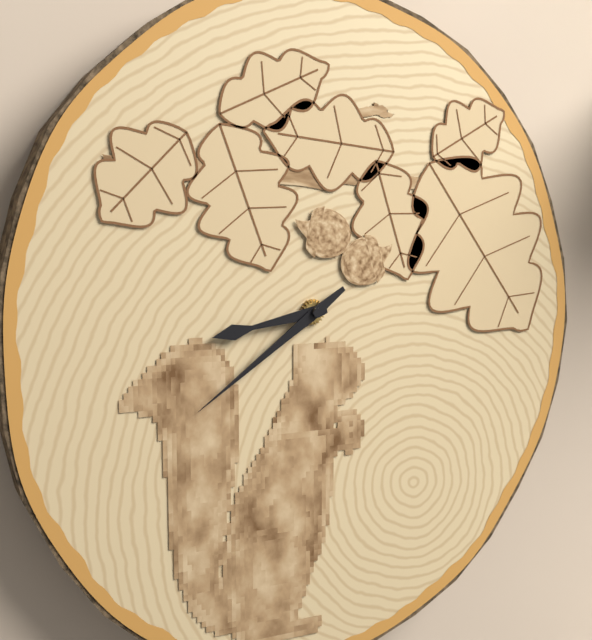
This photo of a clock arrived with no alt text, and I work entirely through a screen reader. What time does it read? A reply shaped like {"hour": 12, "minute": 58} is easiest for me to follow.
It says {"hour": 8, "minute": 39}
